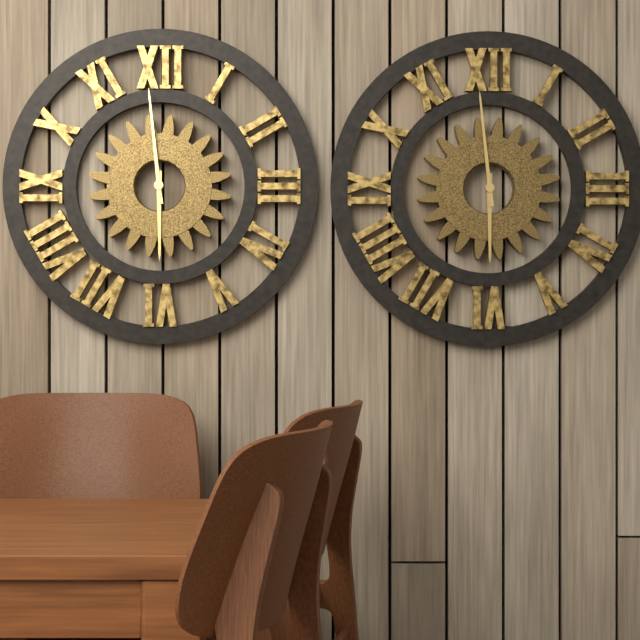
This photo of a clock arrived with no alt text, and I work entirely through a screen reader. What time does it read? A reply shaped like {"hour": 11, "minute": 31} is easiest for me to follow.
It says {"hour": 5, "minute": 59}
